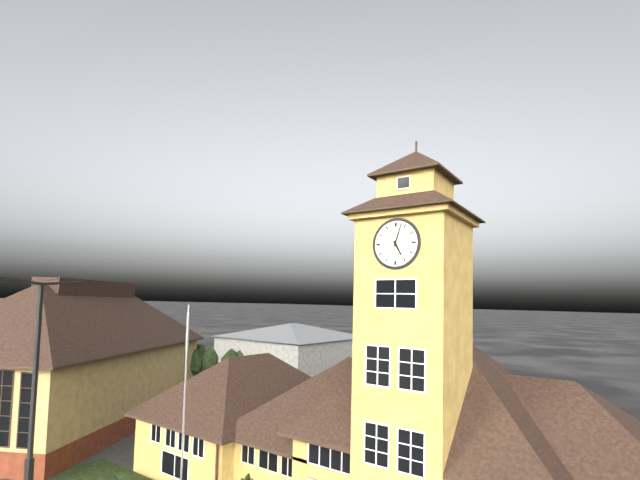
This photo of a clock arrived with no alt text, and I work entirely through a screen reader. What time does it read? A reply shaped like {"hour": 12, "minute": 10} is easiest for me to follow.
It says {"hour": 5, "minute": 3}
